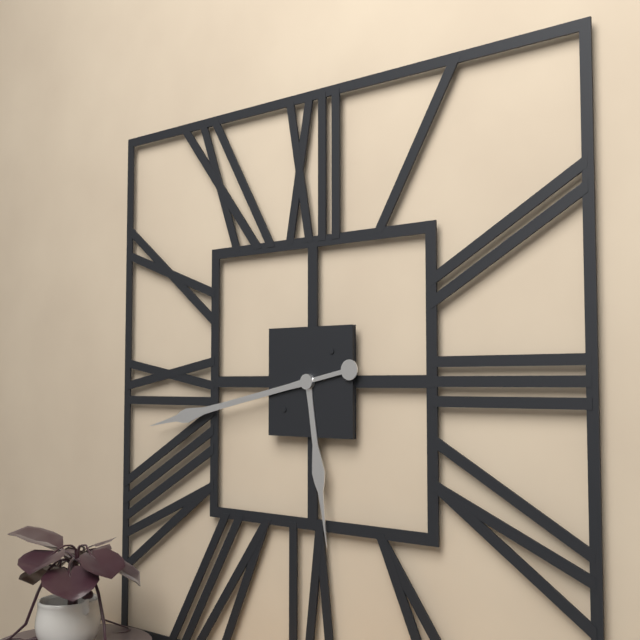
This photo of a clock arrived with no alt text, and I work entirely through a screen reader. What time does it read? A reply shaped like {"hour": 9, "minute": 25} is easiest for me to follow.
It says {"hour": 5, "minute": 43}
